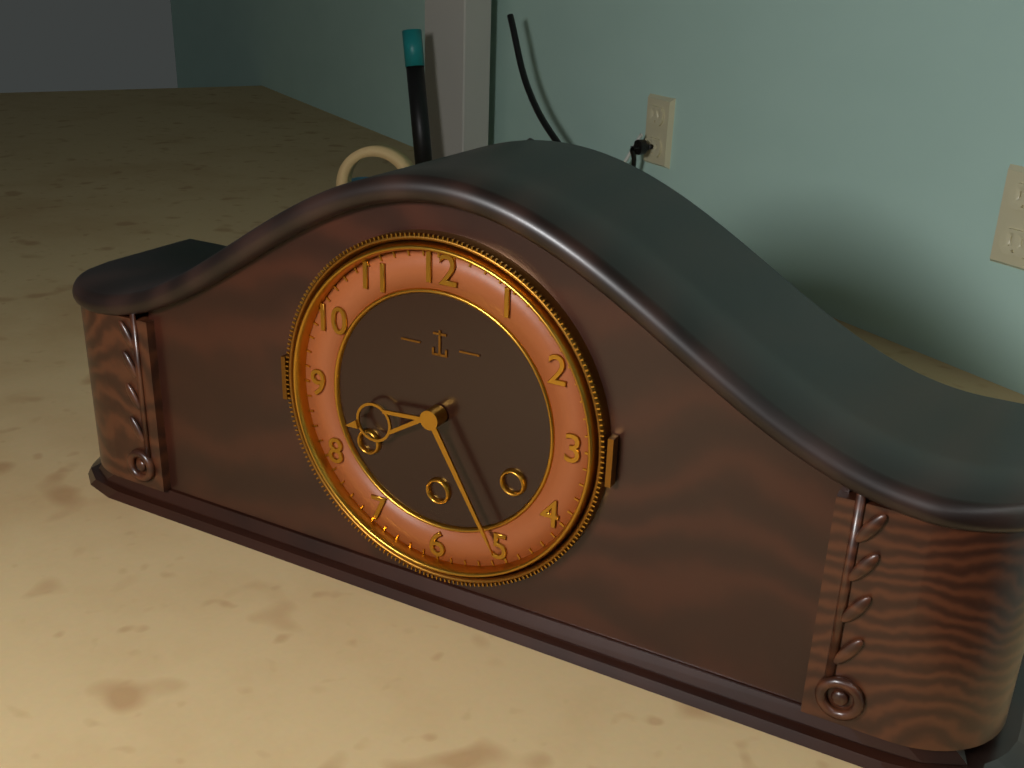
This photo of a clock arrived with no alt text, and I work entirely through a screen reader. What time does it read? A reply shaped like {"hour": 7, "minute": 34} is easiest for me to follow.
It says {"hour": 8, "minute": 25}
